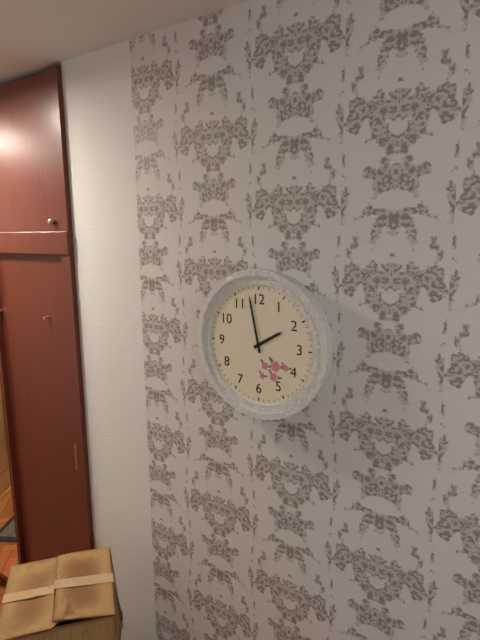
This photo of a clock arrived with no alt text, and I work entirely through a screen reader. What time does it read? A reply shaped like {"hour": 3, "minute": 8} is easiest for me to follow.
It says {"hour": 1, "minute": 58}
